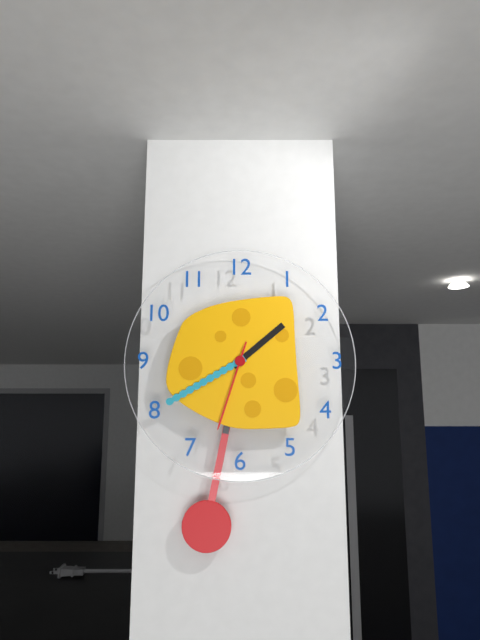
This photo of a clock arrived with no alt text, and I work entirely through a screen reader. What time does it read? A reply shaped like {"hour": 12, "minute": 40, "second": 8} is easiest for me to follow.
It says {"hour": 1, "minute": 40, "second": 33}
